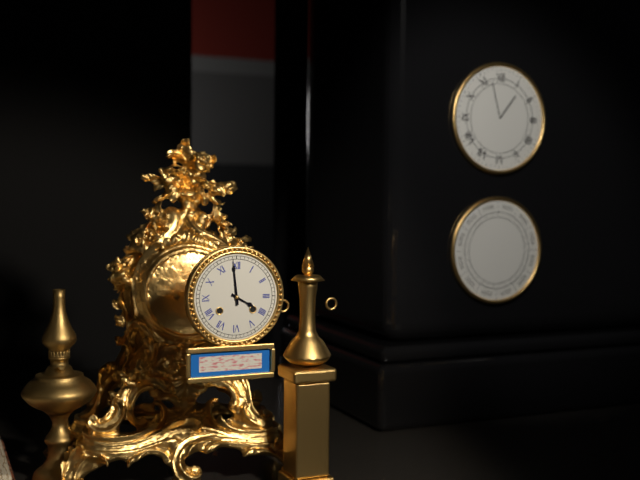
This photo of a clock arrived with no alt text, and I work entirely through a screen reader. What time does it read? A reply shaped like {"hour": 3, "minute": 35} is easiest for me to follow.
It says {"hour": 3, "minute": 59}
